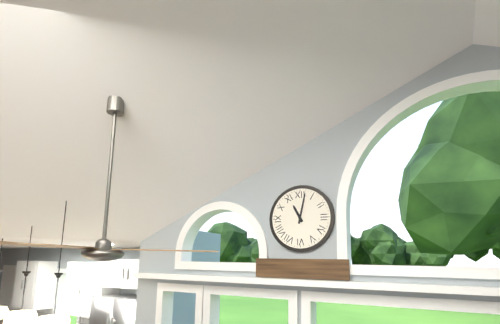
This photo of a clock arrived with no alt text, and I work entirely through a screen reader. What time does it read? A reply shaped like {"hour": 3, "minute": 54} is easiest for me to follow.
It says {"hour": 11, "minute": 2}
